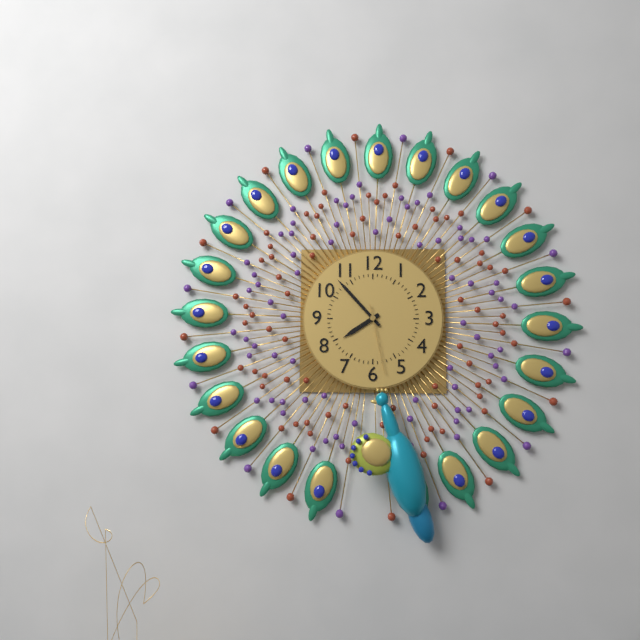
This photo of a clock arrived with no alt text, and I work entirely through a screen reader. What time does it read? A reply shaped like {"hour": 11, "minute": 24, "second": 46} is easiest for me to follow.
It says {"hour": 7, "minute": 53, "second": 28}
